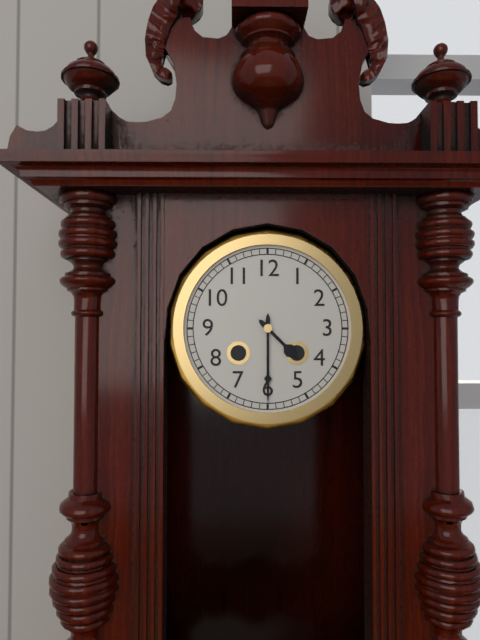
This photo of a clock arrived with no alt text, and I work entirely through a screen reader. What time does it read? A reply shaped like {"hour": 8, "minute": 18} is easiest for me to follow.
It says {"hour": 4, "minute": 30}
